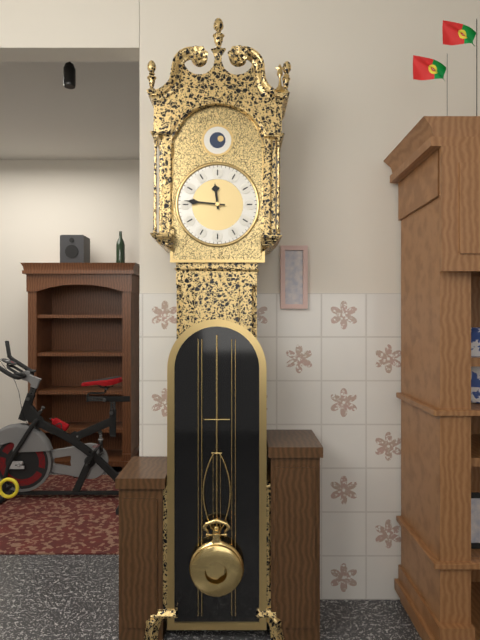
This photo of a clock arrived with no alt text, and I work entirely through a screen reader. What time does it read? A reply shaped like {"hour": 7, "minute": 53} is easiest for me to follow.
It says {"hour": 11, "minute": 46}
